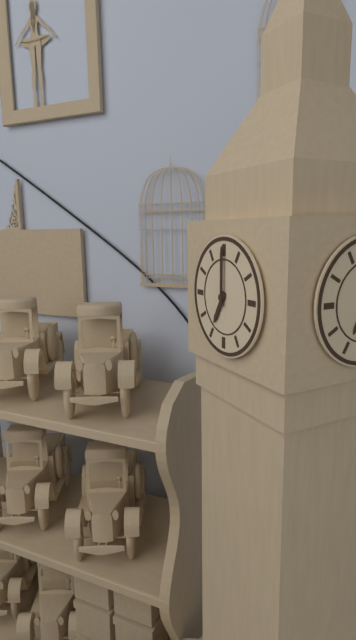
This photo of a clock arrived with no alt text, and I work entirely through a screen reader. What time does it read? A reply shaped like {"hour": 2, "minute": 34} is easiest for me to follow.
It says {"hour": 7, "minute": 0}
